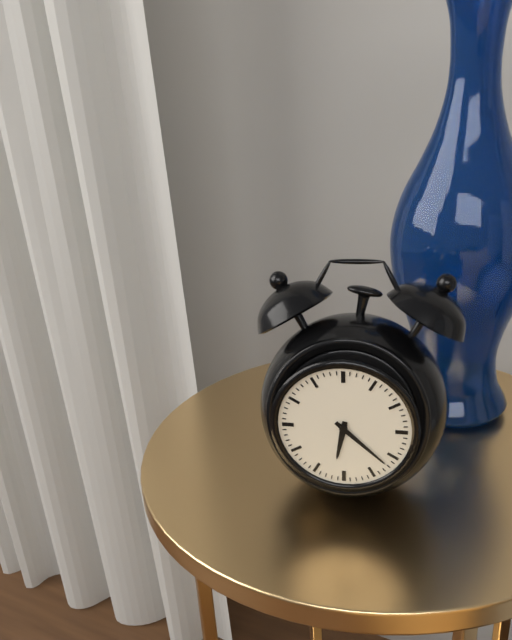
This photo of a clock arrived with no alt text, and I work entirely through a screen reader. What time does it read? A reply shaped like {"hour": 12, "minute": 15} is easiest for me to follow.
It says {"hour": 6, "minute": 22}
